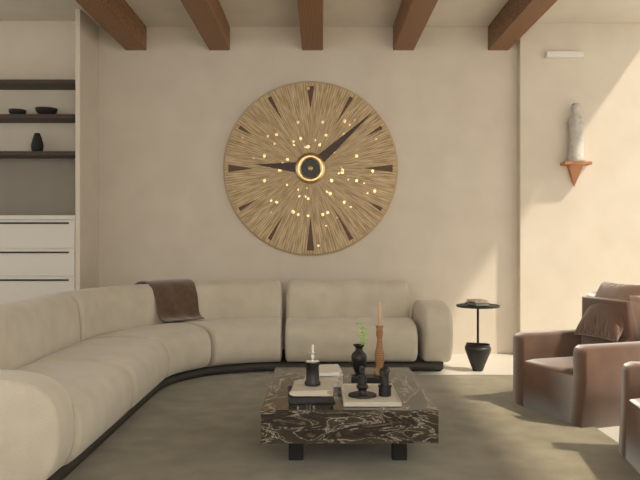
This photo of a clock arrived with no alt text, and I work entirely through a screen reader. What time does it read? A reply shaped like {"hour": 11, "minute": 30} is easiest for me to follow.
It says {"hour": 9, "minute": 8}
